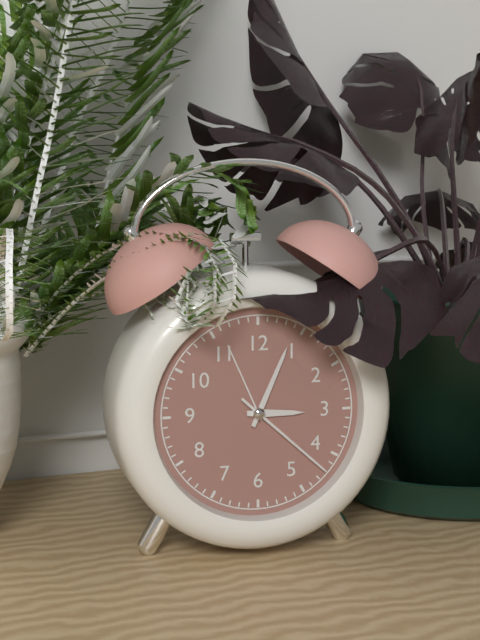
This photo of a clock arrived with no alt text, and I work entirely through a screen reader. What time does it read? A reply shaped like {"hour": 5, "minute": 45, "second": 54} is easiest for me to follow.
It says {"hour": 3, "minute": 4, "second": 22}
